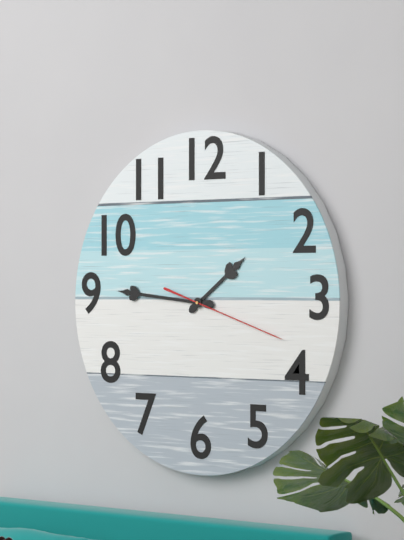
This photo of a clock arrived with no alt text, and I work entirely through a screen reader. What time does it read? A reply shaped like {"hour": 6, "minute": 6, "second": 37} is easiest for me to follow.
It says {"hour": 1, "minute": 46, "second": 18}
